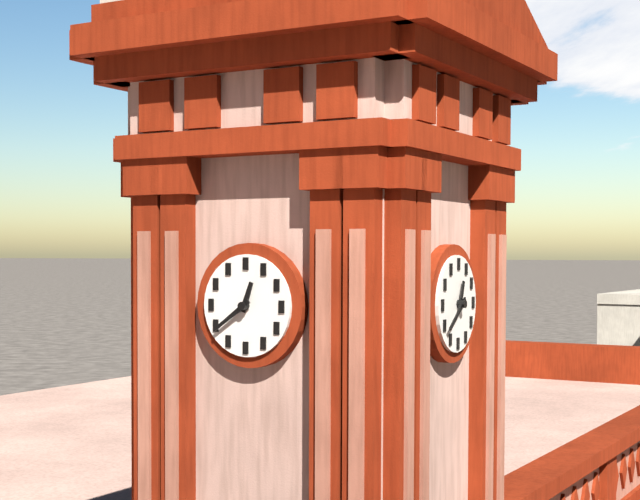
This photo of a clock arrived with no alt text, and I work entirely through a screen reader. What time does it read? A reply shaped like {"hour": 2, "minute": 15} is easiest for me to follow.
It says {"hour": 12, "minute": 39}
